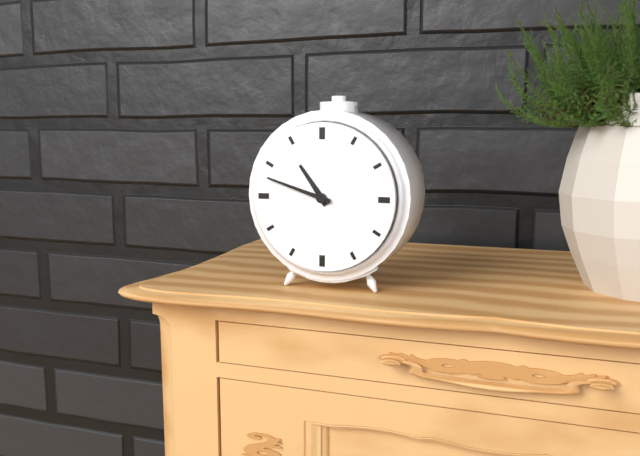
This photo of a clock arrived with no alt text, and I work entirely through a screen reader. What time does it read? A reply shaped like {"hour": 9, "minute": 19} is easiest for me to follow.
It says {"hour": 10, "minute": 48}
